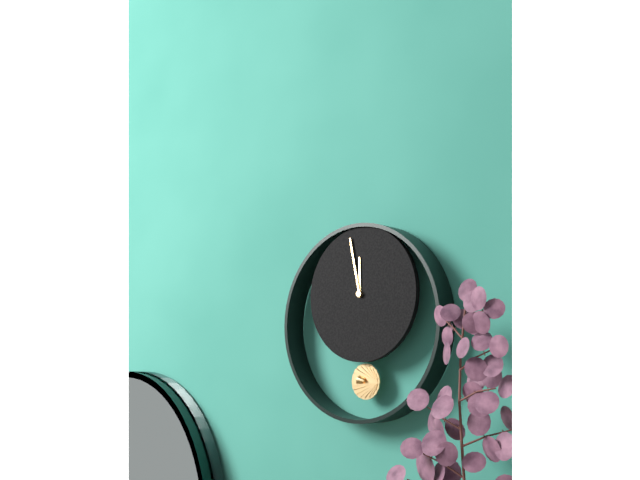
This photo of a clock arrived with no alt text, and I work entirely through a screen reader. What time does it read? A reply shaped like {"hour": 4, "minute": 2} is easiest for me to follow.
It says {"hour": 11, "minute": 58}
